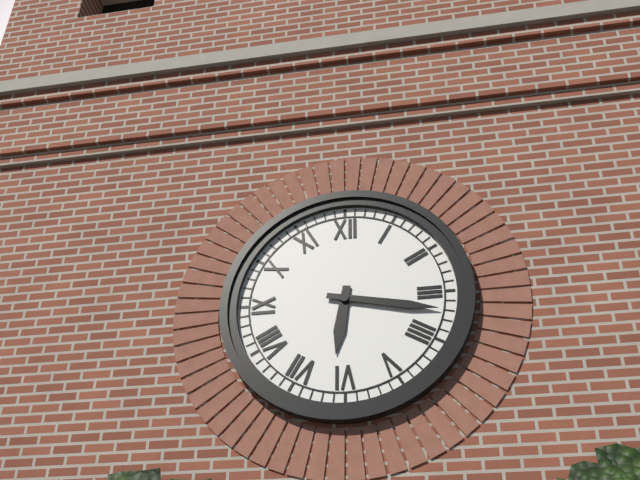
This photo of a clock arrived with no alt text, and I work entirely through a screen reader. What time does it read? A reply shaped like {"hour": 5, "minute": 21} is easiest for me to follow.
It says {"hour": 6, "minute": 17}
